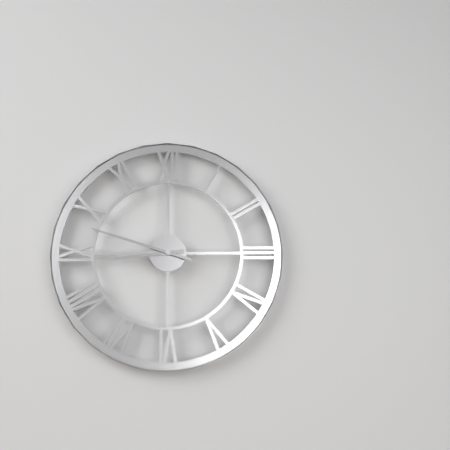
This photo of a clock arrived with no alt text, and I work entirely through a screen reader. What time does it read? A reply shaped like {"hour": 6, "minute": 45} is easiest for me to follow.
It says {"hour": 8, "minute": 48}
